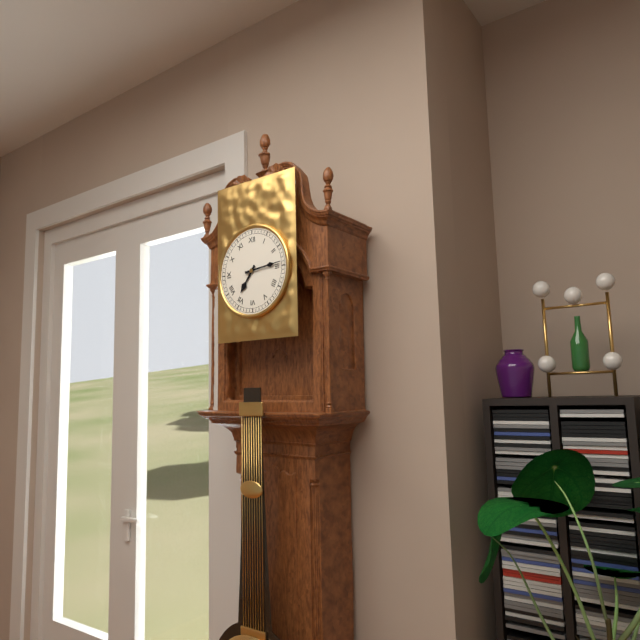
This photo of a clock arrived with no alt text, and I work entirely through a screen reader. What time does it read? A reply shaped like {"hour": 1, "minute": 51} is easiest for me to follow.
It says {"hour": 7, "minute": 14}
